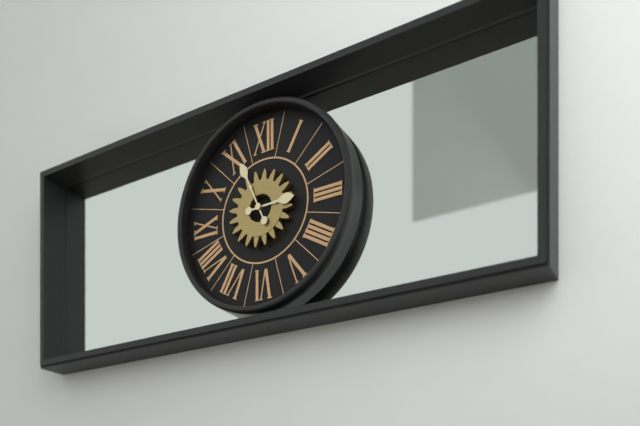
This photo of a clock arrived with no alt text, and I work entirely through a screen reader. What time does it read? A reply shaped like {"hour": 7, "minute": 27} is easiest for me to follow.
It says {"hour": 2, "minute": 56}
